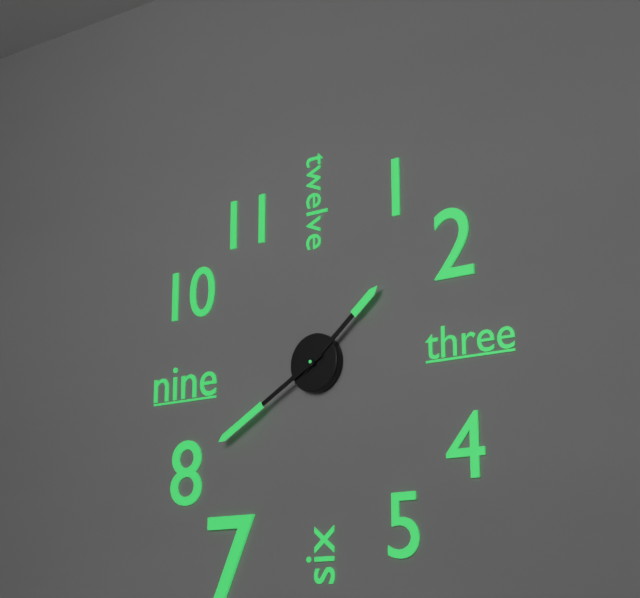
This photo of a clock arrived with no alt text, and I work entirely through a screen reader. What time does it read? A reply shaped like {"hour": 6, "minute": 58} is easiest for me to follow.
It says {"hour": 1, "minute": 40}
